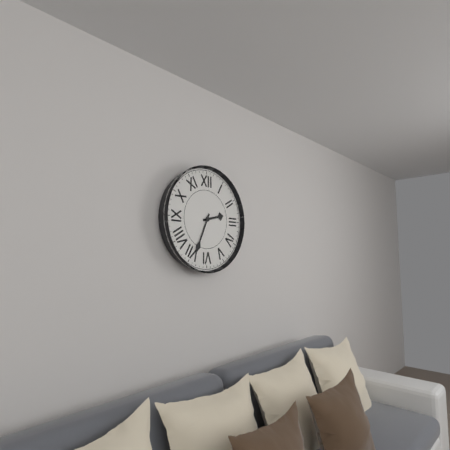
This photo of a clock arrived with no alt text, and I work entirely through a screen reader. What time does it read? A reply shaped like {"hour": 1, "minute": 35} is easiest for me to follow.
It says {"hour": 2, "minute": 34}
